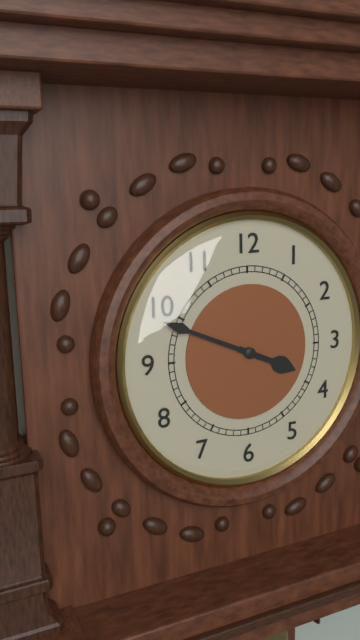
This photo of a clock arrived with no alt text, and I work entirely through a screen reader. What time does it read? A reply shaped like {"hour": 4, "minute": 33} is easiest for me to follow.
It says {"hour": 3, "minute": 49}
